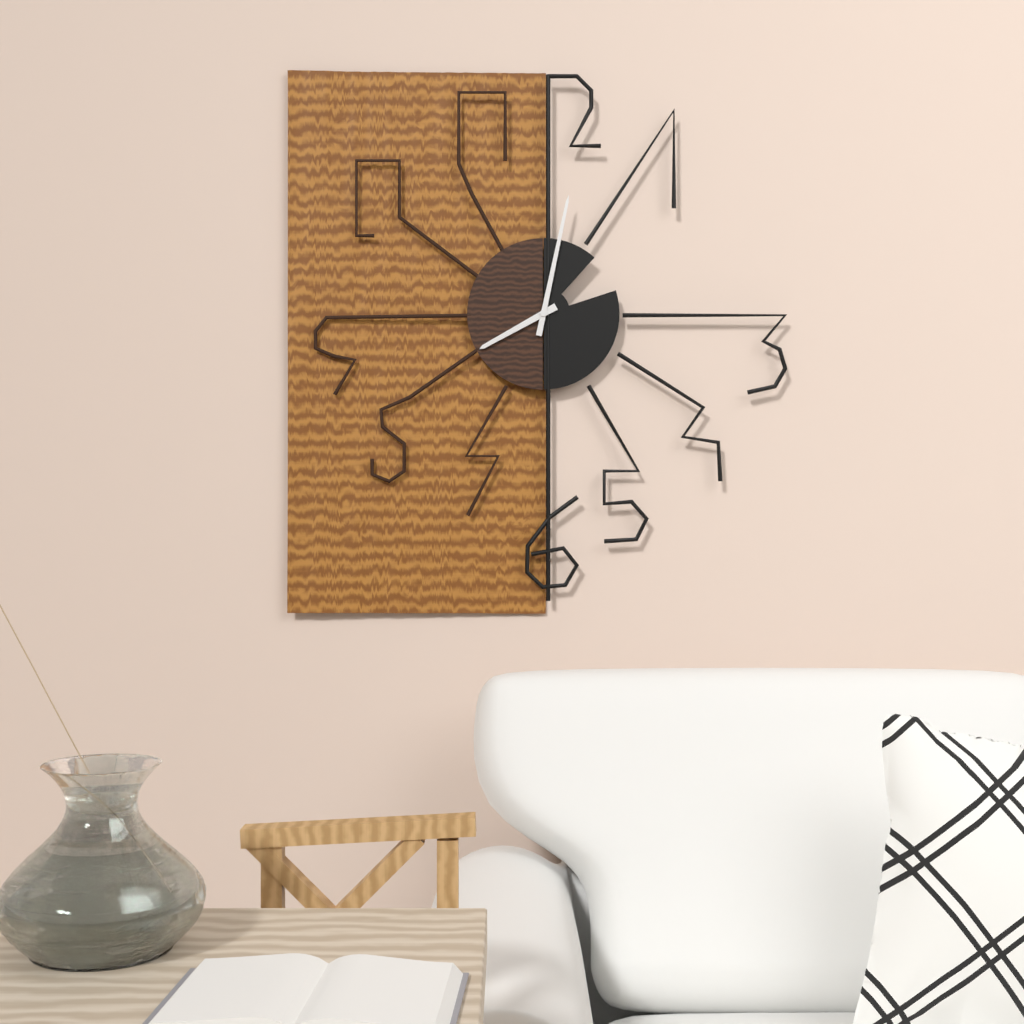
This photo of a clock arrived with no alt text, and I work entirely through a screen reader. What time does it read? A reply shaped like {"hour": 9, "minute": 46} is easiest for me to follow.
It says {"hour": 8, "minute": 2}
